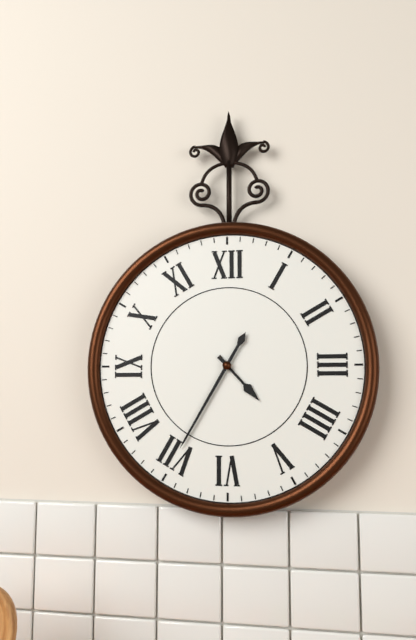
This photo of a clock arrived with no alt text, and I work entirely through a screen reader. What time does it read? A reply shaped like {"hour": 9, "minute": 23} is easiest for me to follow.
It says {"hour": 4, "minute": 35}
